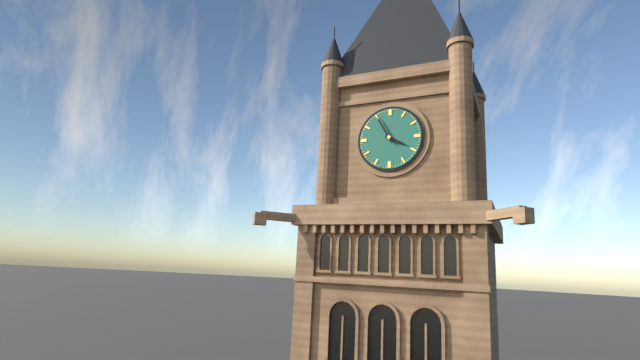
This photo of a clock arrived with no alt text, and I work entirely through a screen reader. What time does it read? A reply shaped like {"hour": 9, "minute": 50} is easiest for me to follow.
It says {"hour": 3, "minute": 55}
